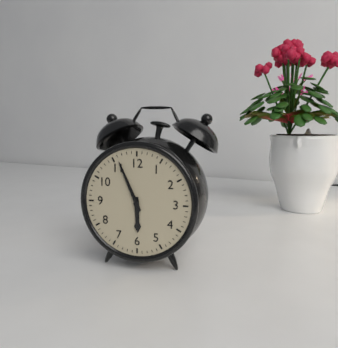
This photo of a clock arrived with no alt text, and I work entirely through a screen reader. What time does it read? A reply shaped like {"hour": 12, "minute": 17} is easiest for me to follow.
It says {"hour": 5, "minute": 56}
